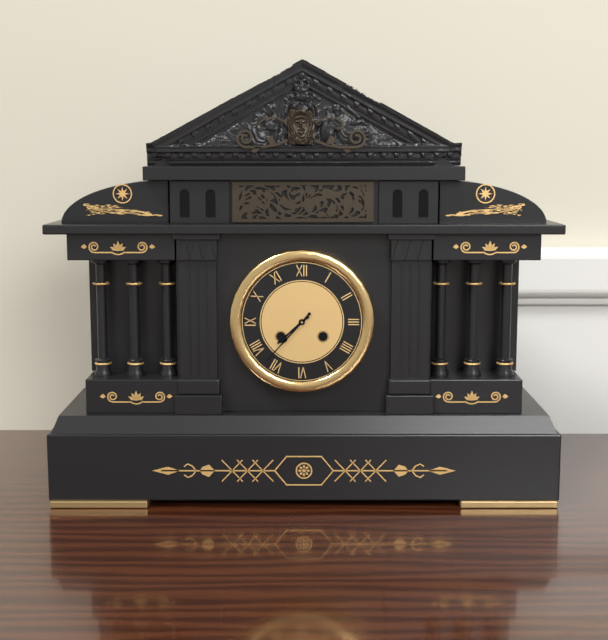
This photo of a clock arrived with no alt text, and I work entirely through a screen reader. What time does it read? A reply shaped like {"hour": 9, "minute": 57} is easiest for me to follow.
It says {"hour": 7, "minute": 37}
